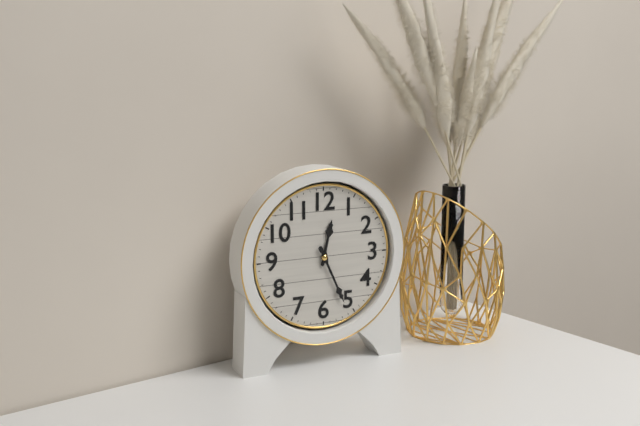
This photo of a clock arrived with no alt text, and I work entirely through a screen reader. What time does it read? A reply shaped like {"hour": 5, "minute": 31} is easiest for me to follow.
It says {"hour": 12, "minute": 26}
